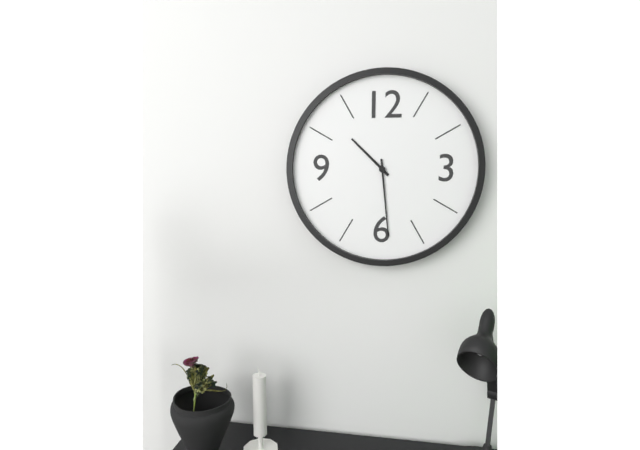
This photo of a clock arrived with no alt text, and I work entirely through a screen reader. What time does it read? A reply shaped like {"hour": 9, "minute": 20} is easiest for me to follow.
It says {"hour": 10, "minute": 29}
